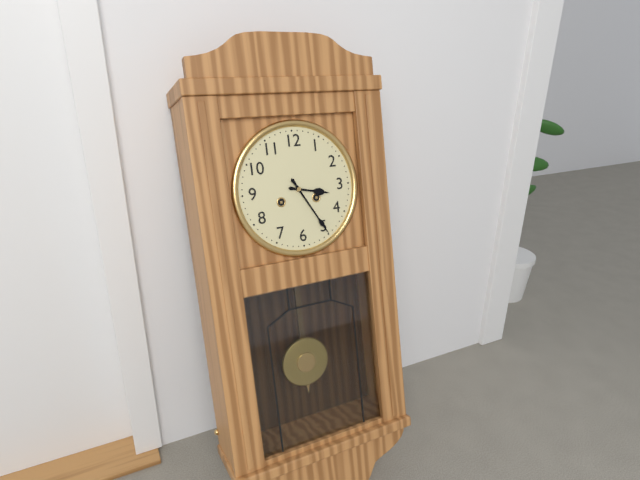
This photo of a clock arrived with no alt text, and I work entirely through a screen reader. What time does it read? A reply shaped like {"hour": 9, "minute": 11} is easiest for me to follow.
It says {"hour": 3, "minute": 25}
